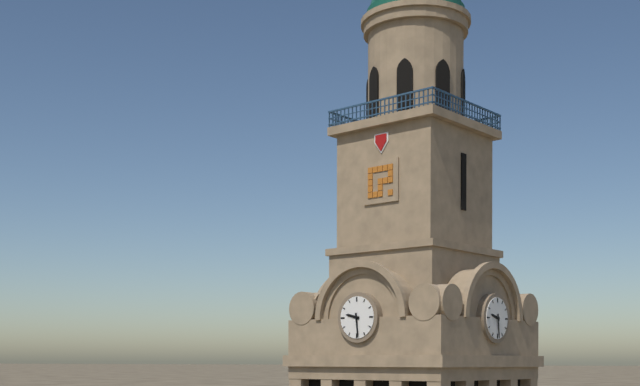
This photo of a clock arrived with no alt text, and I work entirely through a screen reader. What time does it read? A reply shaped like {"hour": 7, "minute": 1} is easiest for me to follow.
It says {"hour": 9, "minute": 29}
